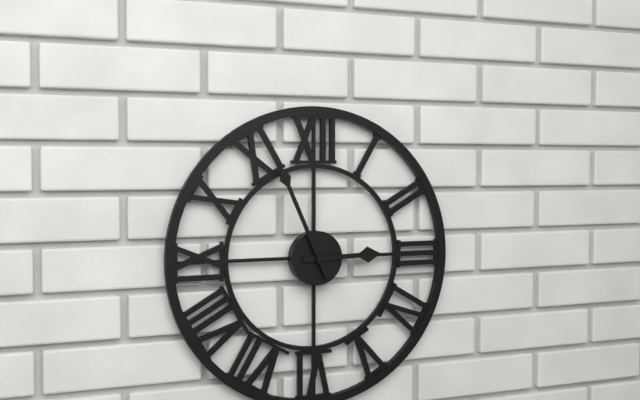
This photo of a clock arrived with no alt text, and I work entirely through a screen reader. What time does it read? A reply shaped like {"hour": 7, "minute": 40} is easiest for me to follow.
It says {"hour": 2, "minute": 56}
